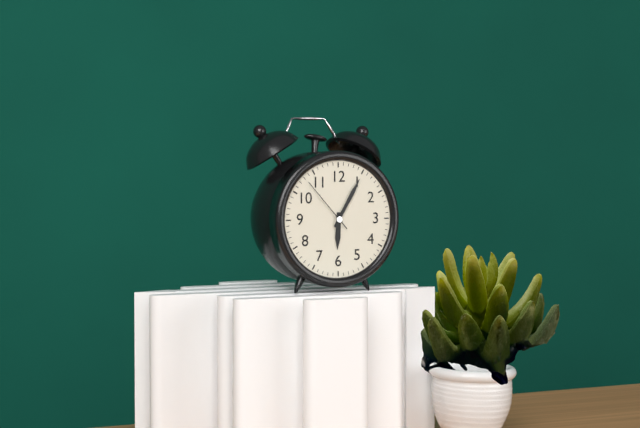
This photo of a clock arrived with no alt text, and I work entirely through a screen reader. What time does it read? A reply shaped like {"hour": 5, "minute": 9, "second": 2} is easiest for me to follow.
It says {"hour": 6, "minute": 5, "second": 53}
